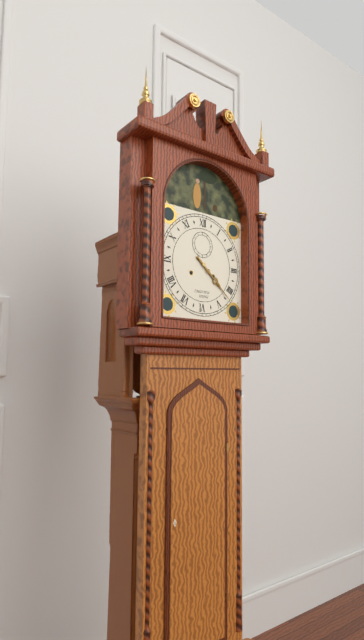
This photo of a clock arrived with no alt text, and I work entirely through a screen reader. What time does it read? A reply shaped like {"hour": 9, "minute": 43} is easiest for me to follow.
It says {"hour": 4, "minute": 22}
